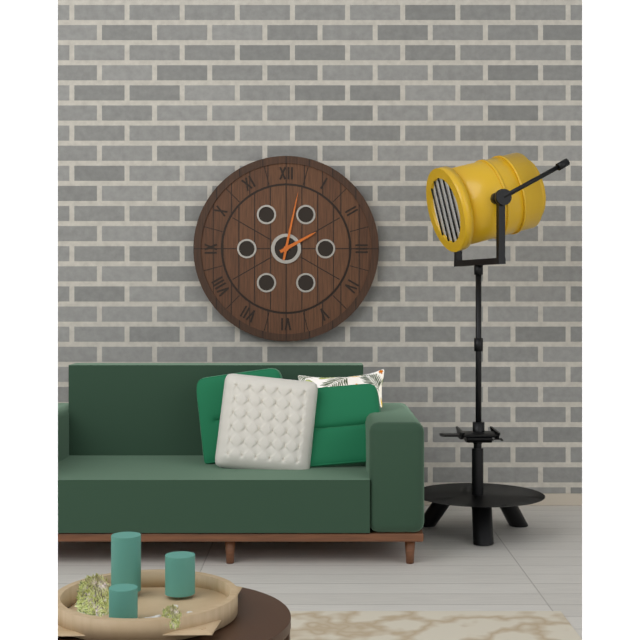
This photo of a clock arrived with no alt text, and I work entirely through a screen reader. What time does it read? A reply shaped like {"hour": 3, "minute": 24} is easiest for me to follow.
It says {"hour": 2, "minute": 2}
